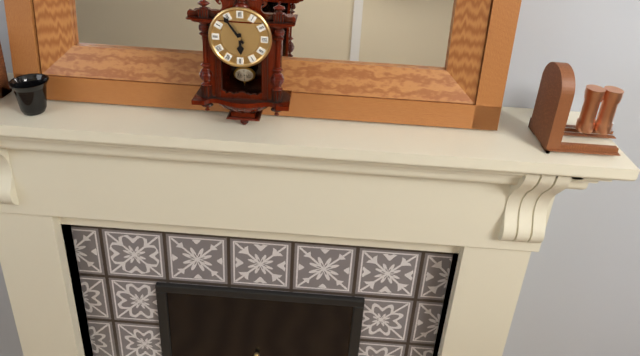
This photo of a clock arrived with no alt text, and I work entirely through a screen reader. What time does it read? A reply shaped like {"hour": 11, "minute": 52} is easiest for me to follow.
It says {"hour": 5, "minute": 54}
